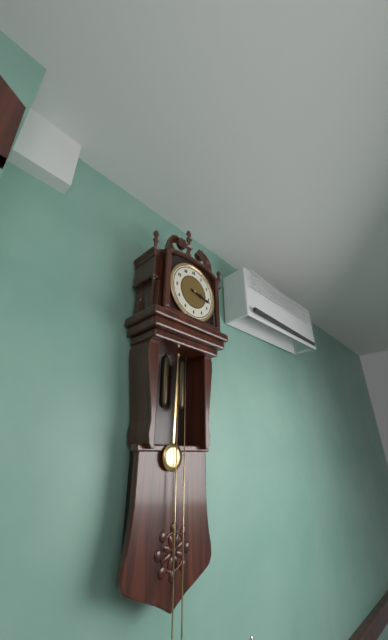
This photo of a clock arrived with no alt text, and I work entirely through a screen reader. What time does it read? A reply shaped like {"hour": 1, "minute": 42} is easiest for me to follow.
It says {"hour": 3, "minute": 17}
